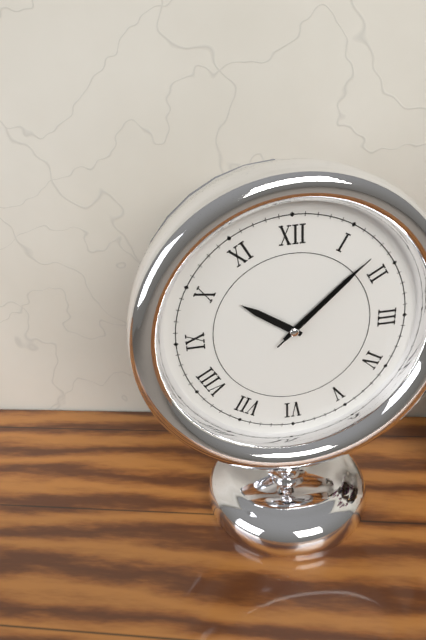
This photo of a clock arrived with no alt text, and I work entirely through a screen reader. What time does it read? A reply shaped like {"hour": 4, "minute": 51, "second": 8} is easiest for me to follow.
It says {"hour": 10, "minute": 8, "second": 8}
